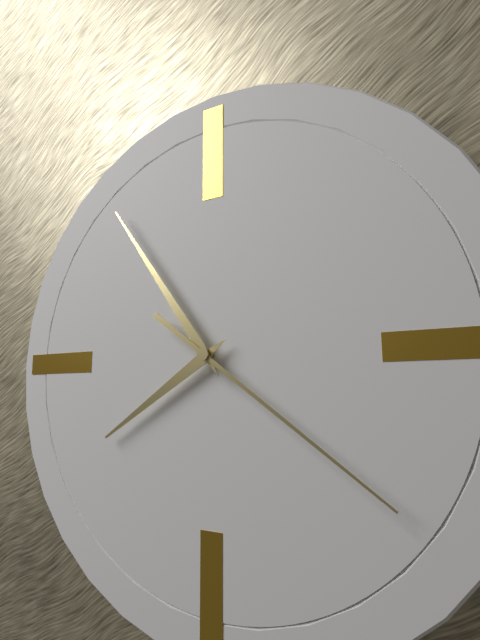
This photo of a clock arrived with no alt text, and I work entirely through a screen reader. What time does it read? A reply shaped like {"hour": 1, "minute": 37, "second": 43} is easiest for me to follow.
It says {"hour": 7, "minute": 54, "second": 21}
